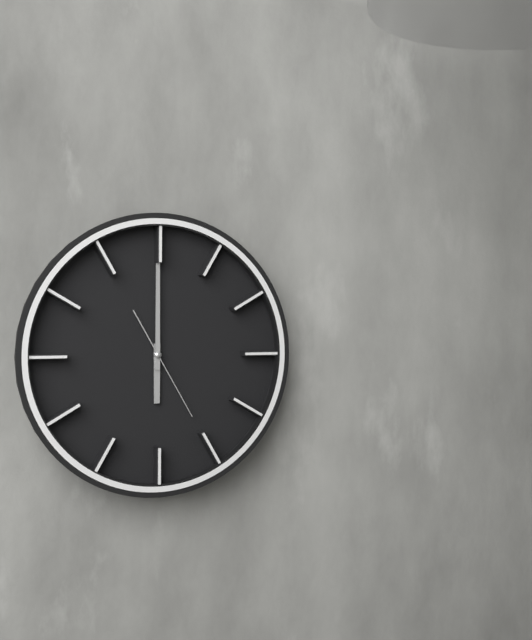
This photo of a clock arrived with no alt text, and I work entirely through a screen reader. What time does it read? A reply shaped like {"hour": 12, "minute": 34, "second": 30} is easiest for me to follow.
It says {"hour": 6, "minute": 0, "second": 25}
